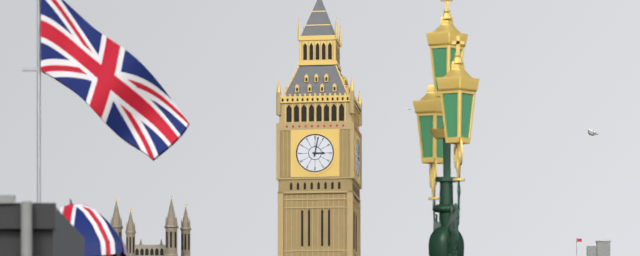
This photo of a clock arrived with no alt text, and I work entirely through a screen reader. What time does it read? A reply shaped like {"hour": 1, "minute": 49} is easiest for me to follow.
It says {"hour": 3, "minute": 2}
